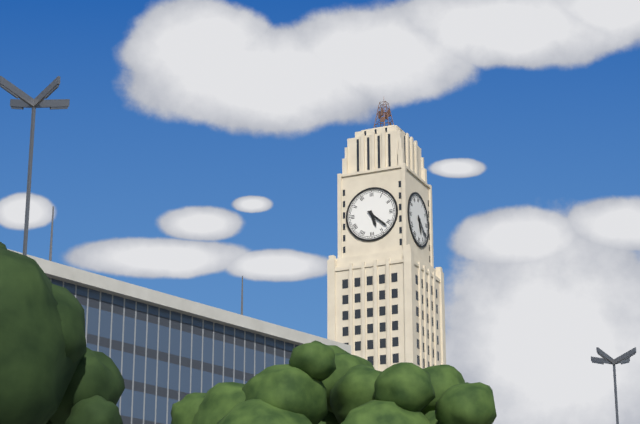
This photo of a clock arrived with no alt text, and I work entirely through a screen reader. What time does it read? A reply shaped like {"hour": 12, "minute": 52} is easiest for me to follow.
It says {"hour": 5, "minute": 22}
